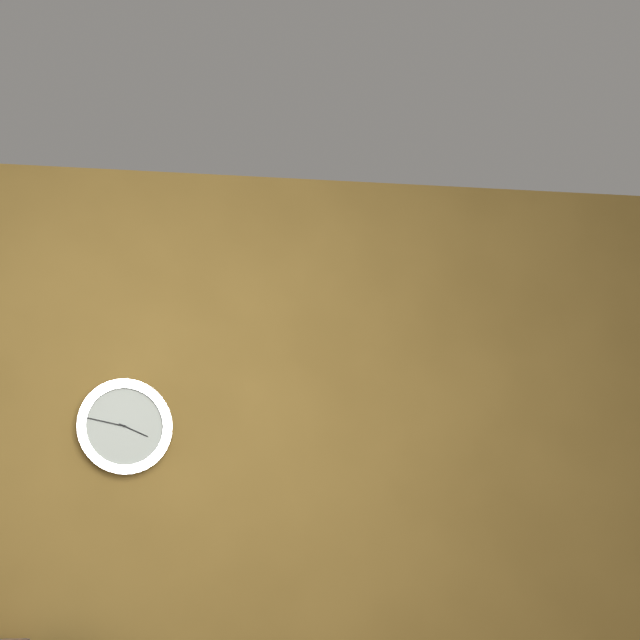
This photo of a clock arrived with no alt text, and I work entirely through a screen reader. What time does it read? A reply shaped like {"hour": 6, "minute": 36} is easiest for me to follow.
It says {"hour": 3, "minute": 47}
